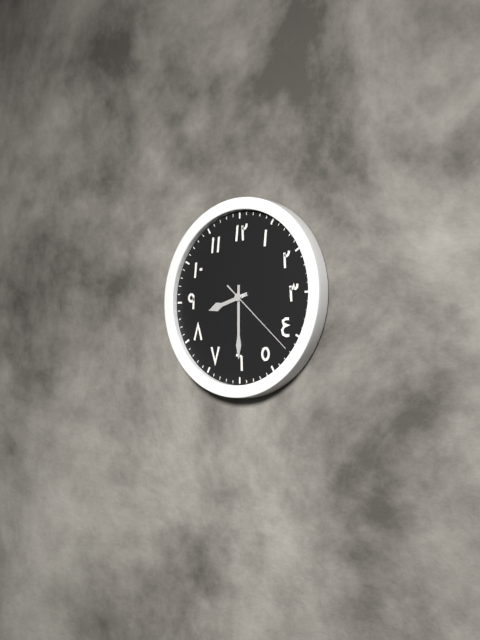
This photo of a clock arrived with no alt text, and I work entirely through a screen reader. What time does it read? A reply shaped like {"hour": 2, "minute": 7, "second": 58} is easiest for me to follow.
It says {"hour": 8, "minute": 30, "second": 22}
